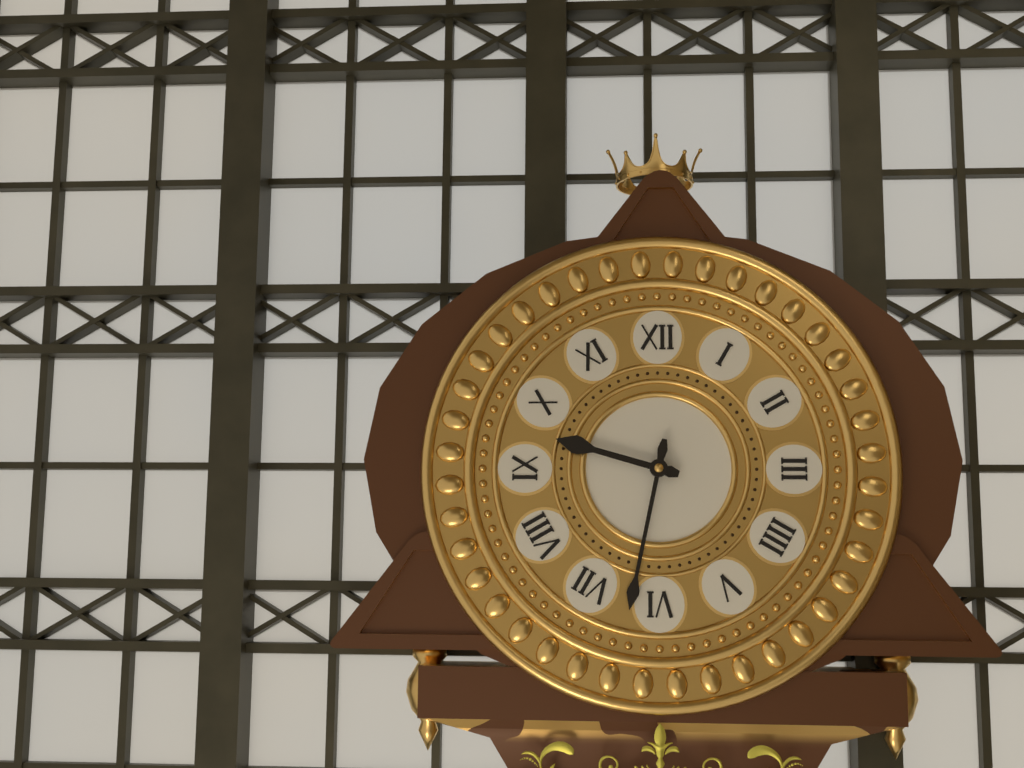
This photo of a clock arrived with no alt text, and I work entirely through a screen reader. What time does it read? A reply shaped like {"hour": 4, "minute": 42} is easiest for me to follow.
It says {"hour": 9, "minute": 32}
